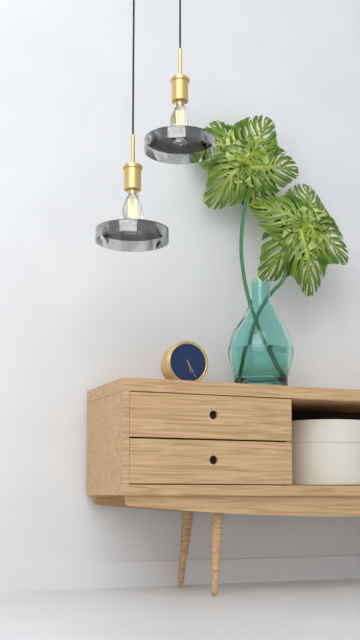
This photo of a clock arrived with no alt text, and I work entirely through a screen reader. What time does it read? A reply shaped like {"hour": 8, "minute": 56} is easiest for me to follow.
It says {"hour": 5, "minute": 25}
